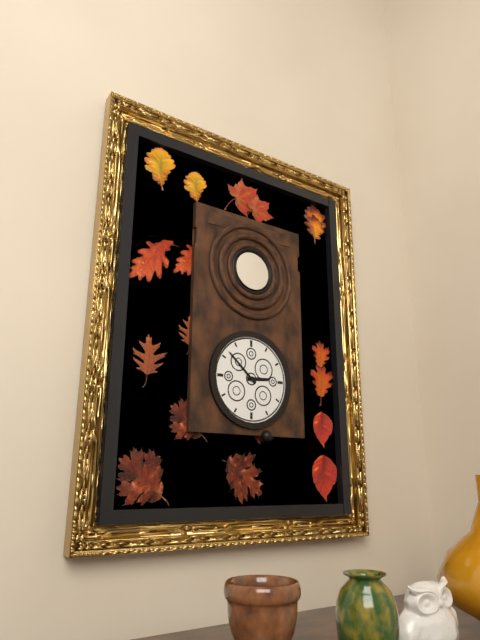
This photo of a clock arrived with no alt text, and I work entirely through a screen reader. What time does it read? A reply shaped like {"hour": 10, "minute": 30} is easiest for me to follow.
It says {"hour": 2, "minute": 52}
